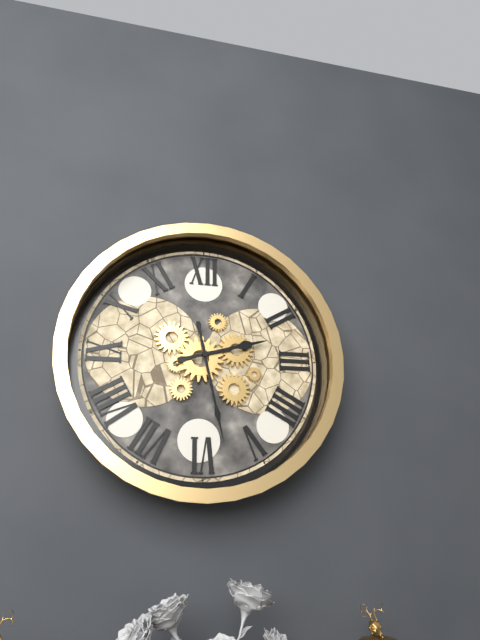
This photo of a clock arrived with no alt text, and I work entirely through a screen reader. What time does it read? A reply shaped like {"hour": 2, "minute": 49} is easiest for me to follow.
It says {"hour": 2, "minute": 28}
